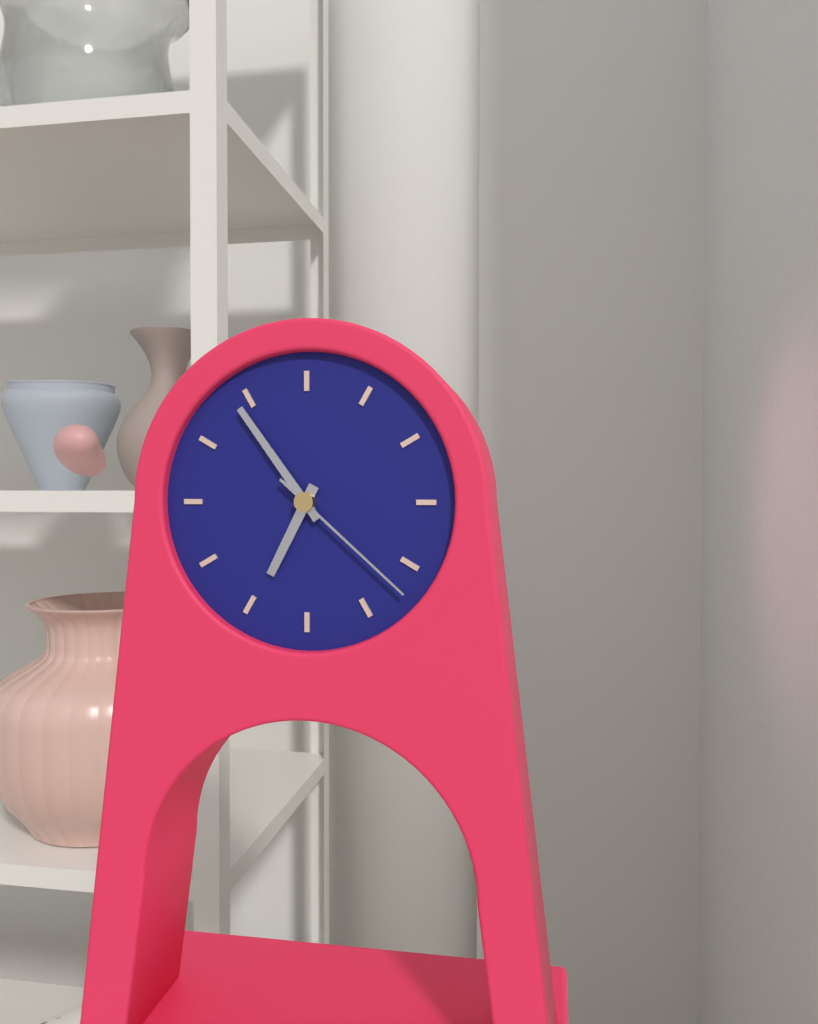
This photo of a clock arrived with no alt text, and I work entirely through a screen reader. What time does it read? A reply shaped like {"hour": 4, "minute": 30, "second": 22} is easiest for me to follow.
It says {"hour": 6, "minute": 54, "second": 22}
